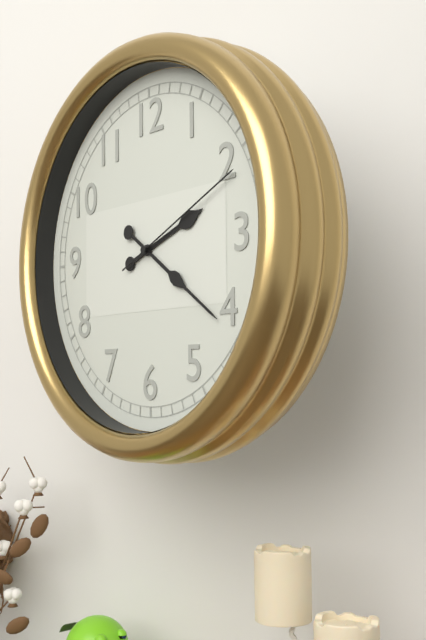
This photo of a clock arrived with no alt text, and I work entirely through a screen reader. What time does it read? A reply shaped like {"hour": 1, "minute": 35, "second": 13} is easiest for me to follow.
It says {"hour": 2, "minute": 21, "second": 11}
